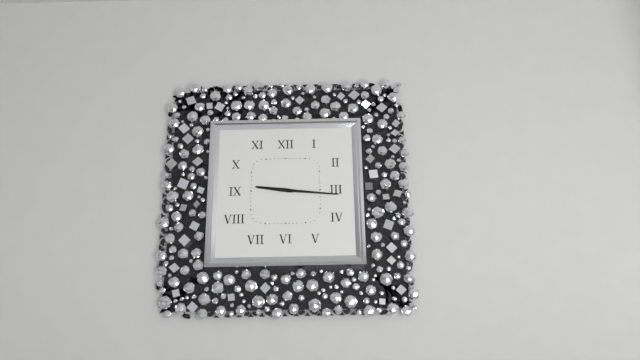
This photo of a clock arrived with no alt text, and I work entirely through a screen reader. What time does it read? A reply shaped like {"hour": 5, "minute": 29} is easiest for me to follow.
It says {"hour": 9, "minute": 16}
